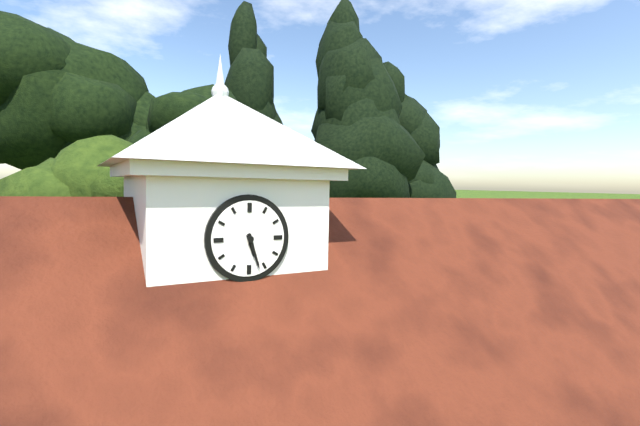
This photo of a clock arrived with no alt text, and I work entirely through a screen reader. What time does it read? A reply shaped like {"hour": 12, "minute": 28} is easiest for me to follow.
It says {"hour": 5, "minute": 27}
